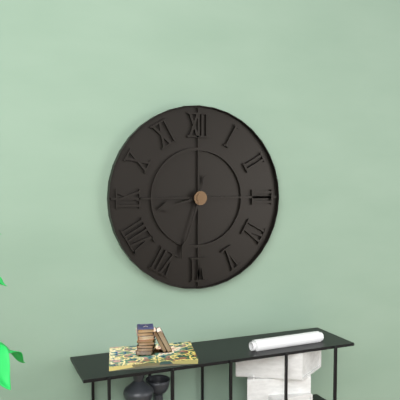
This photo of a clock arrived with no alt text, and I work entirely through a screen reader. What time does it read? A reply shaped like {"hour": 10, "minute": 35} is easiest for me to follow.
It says {"hour": 8, "minute": 33}
